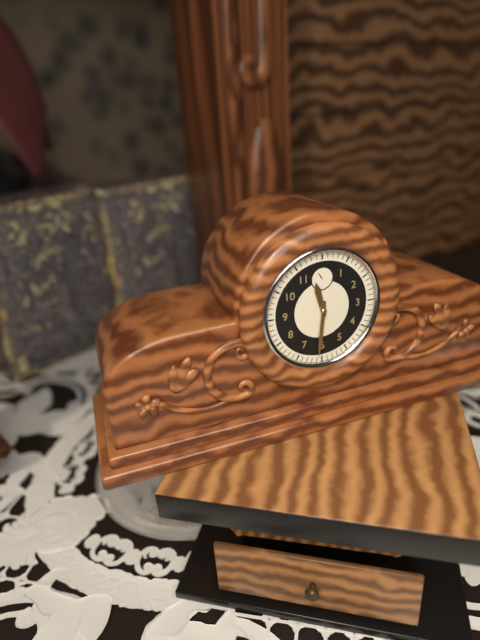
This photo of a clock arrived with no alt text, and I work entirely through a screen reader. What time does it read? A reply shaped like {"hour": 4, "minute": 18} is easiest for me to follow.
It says {"hour": 11, "minute": 31}
